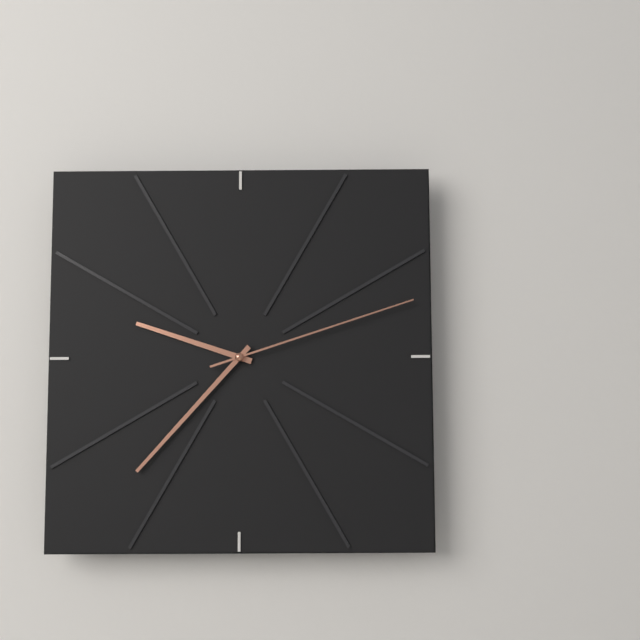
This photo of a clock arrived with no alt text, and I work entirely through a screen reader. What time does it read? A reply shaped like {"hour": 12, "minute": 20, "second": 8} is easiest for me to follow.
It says {"hour": 9, "minute": 37, "second": 12}
